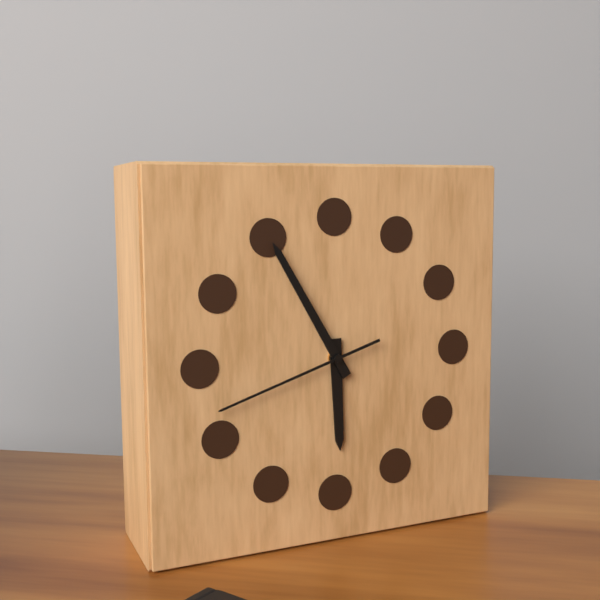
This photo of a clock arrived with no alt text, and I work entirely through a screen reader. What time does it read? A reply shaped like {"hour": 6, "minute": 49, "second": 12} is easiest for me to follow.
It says {"hour": 5, "minute": 55, "second": 42}
